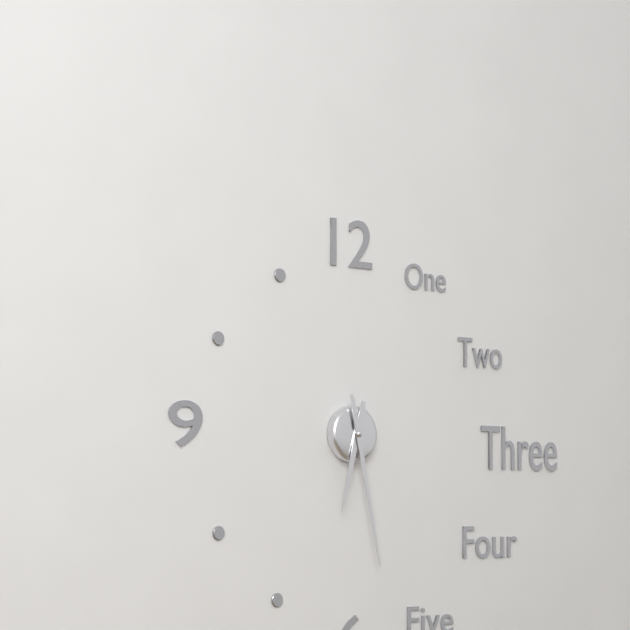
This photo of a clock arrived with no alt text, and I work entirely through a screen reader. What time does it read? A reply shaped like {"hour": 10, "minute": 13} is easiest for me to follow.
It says {"hour": 6, "minute": 28}
